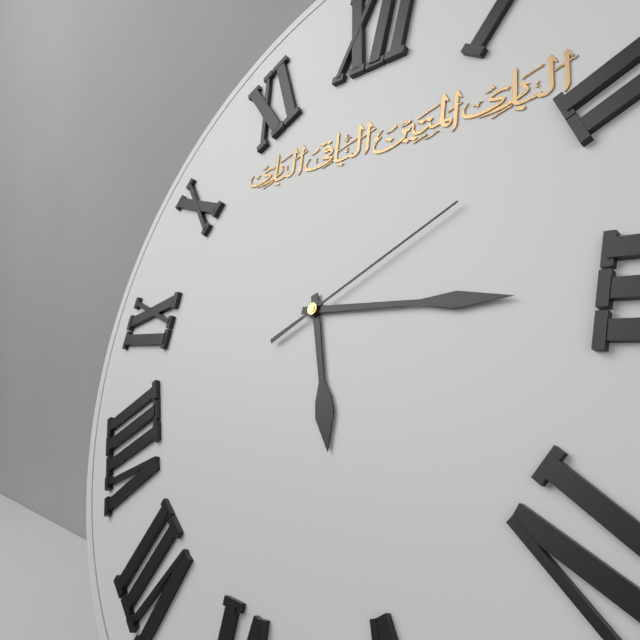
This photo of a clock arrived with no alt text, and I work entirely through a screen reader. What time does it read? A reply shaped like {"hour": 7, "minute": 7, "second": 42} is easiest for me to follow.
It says {"hour": 5, "minute": 15, "second": 10}
